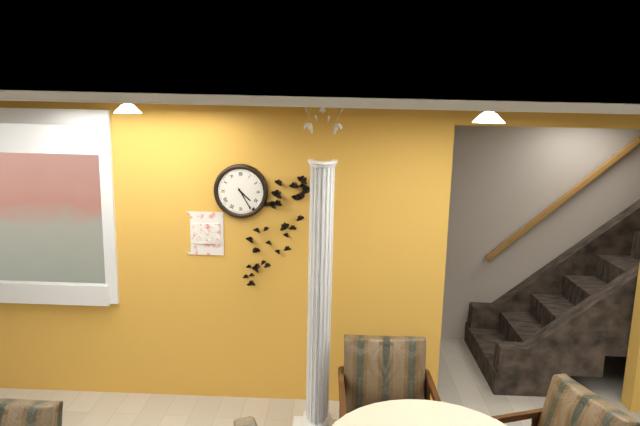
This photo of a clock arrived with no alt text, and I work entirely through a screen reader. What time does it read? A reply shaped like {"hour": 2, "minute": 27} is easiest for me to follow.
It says {"hour": 4, "minute": 25}
